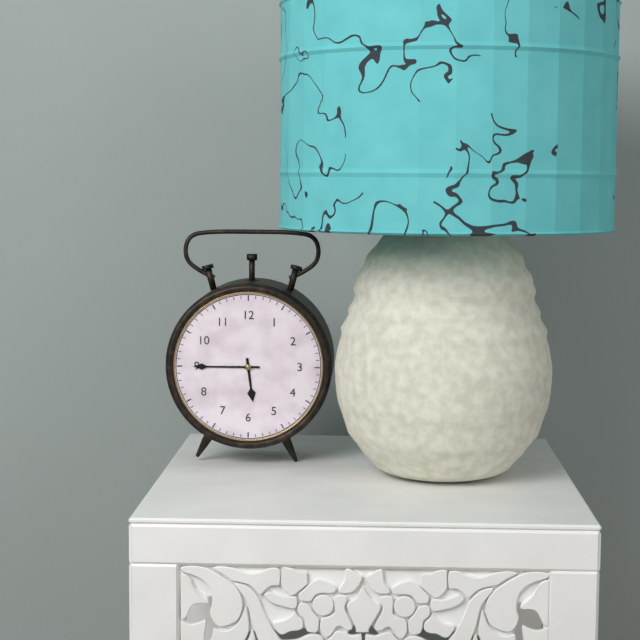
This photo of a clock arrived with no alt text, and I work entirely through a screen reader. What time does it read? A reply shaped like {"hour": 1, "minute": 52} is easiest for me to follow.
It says {"hour": 5, "minute": 45}
